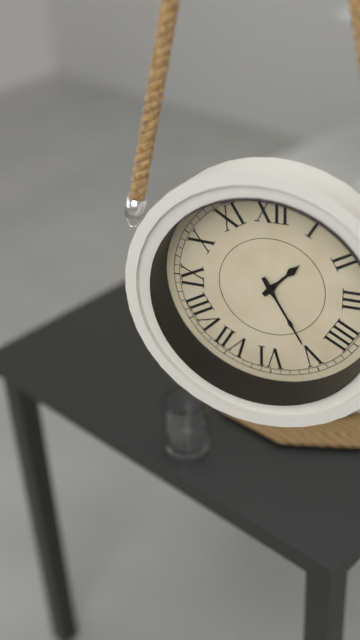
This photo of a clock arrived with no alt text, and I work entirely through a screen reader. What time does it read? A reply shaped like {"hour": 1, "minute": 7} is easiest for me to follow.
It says {"hour": 1, "minute": 25}
